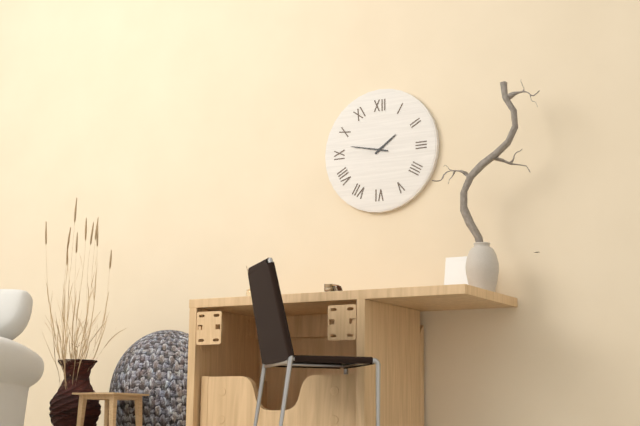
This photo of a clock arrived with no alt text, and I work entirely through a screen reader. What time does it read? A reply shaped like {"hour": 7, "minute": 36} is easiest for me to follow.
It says {"hour": 1, "minute": 47}
